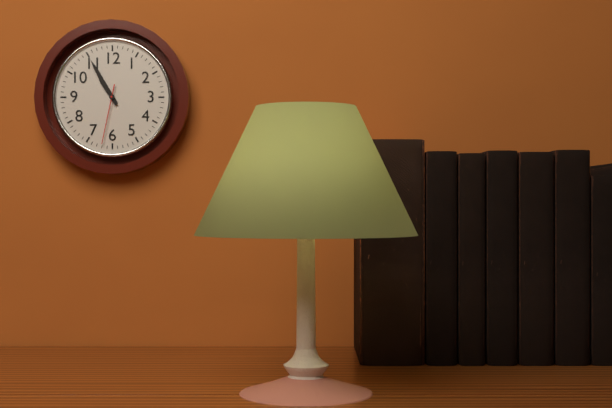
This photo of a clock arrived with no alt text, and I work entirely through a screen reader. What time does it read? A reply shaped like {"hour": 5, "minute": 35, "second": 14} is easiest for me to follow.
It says {"hour": 10, "minute": 55, "second": 32}
